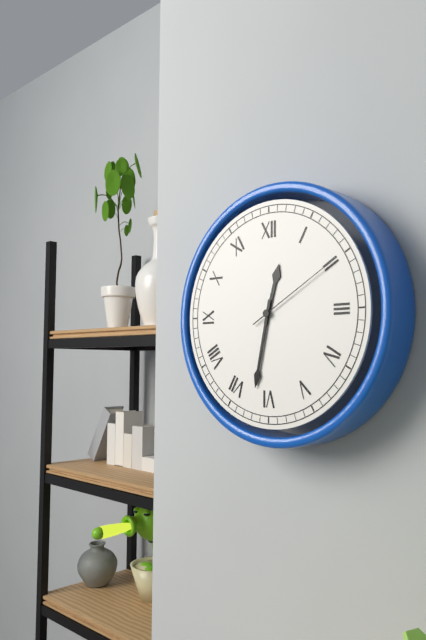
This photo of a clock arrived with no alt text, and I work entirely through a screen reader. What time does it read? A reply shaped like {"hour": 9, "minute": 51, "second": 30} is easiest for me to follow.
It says {"hour": 12, "minute": 32, "second": 10}
